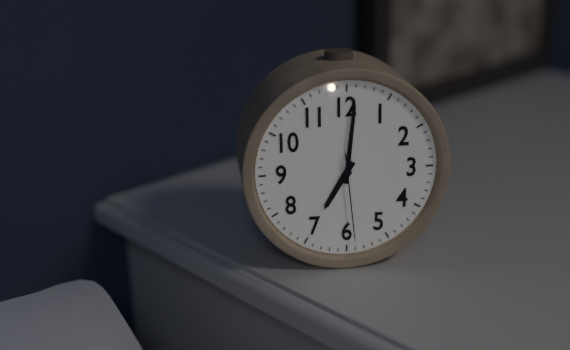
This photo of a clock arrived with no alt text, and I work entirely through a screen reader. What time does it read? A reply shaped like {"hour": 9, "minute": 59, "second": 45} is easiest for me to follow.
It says {"hour": 7, "minute": 1, "second": 29}
